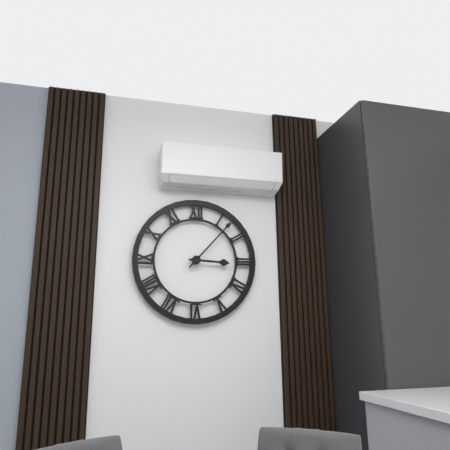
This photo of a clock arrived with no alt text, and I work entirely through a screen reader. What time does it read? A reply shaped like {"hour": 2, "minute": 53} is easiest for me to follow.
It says {"hour": 3, "minute": 7}
